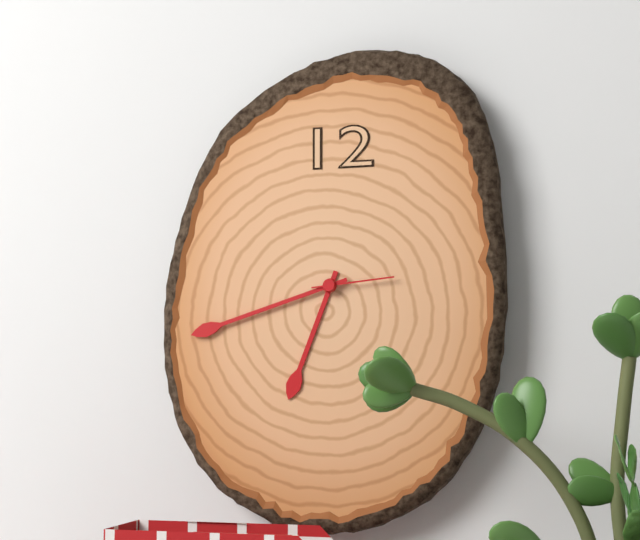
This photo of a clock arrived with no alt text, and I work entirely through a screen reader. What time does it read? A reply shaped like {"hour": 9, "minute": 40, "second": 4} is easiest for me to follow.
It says {"hour": 6, "minute": 42, "second": 14}
